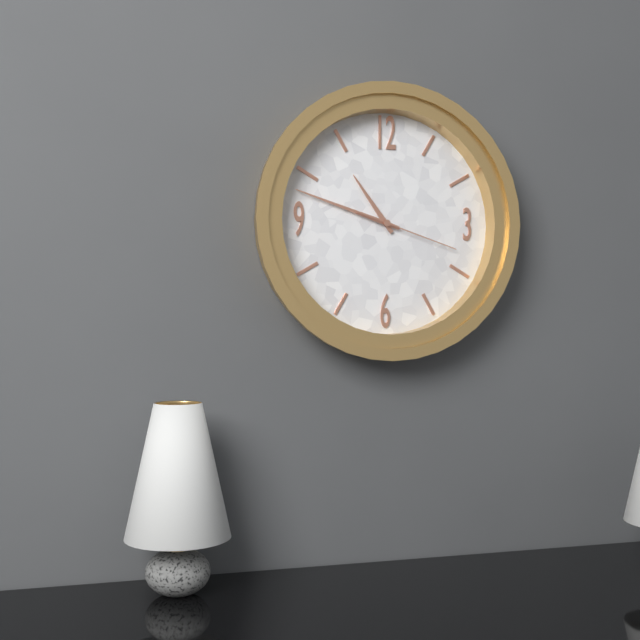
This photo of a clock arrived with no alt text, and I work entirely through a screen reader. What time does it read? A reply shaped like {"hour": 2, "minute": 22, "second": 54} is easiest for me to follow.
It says {"hour": 10, "minute": 48, "second": 18}
